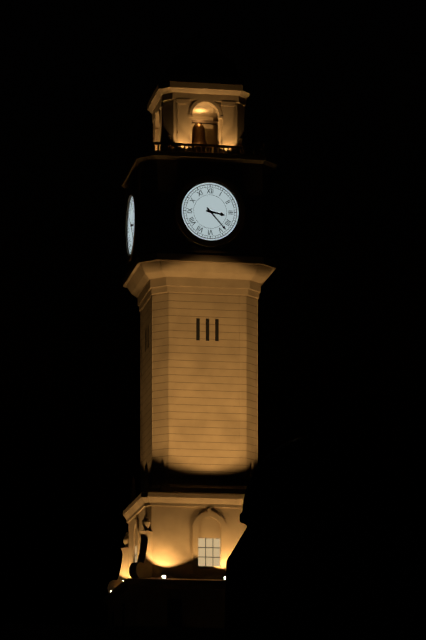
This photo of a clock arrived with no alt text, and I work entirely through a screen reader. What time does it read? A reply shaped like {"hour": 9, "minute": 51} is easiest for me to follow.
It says {"hour": 3, "minute": 23}
